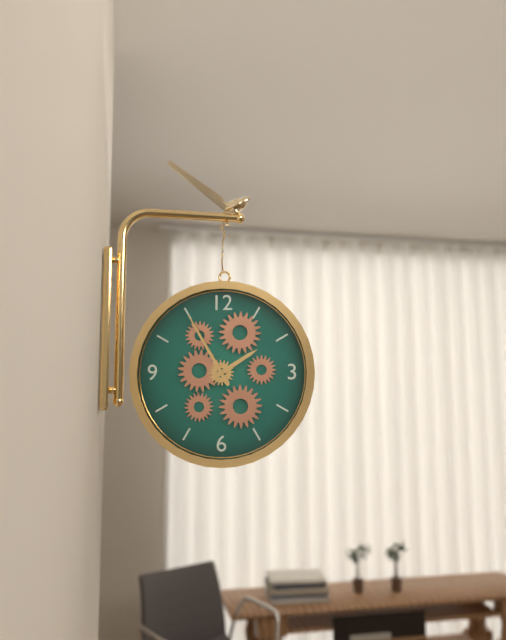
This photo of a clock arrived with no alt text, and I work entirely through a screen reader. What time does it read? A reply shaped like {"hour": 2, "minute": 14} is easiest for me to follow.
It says {"hour": 1, "minute": 55}
